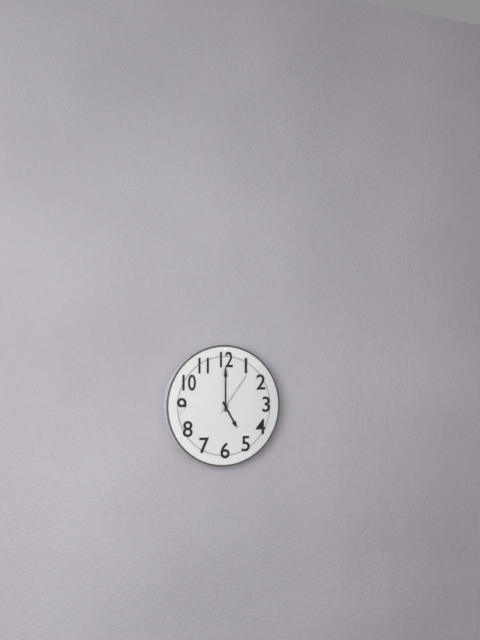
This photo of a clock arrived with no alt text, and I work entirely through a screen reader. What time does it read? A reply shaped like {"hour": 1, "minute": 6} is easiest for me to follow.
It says {"hour": 5, "minute": 0}
